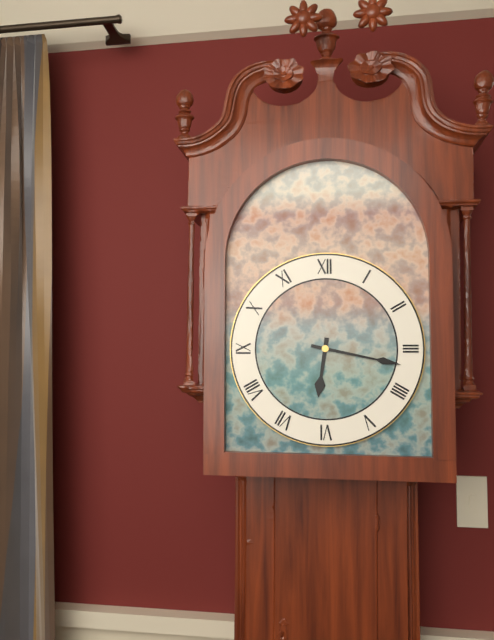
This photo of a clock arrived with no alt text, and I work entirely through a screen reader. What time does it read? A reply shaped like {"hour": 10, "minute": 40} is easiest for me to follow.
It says {"hour": 6, "minute": 17}
